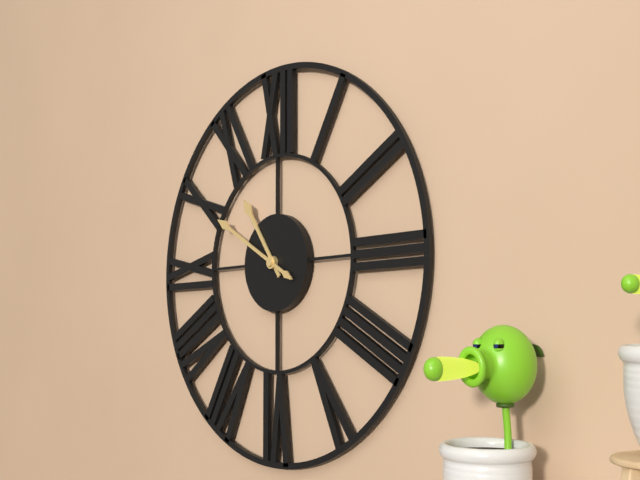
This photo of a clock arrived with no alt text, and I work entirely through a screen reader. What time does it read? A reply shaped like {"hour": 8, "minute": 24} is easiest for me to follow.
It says {"hour": 10, "minute": 50}
